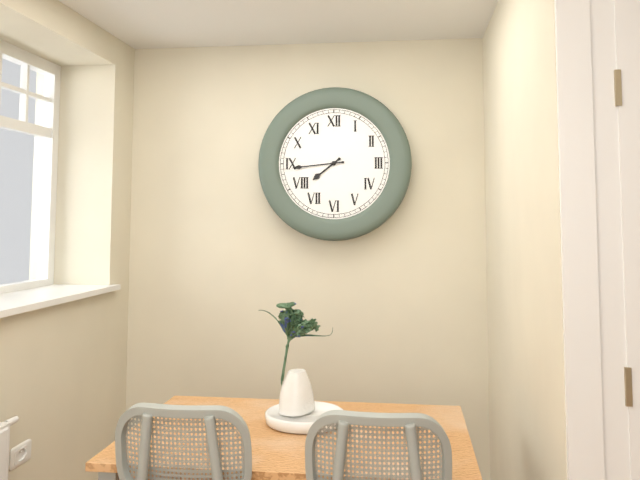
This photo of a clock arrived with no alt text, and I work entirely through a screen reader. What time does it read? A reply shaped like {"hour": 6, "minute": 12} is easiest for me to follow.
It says {"hour": 7, "minute": 44}
